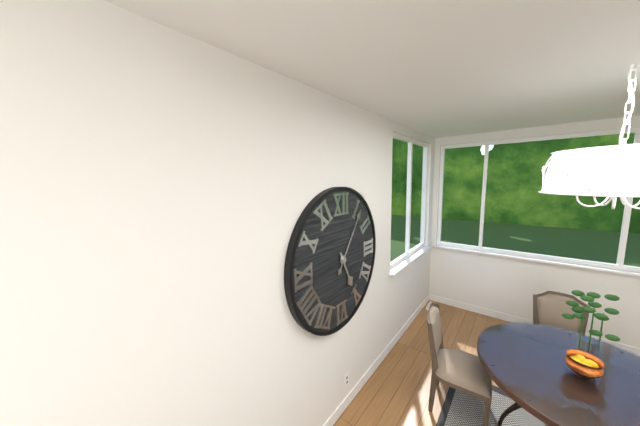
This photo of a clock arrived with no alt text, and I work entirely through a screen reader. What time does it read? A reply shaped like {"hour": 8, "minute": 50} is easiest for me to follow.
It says {"hour": 5, "minute": 6}
